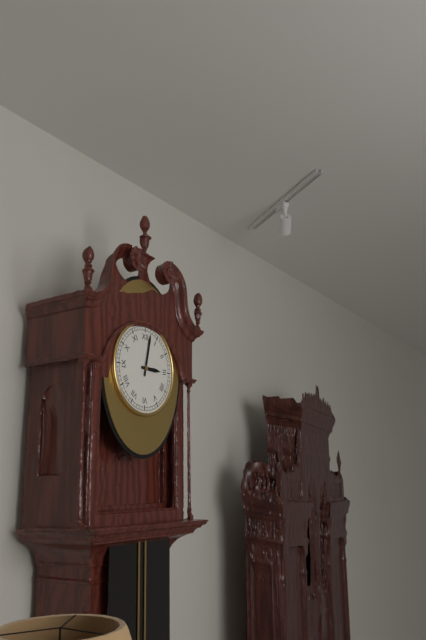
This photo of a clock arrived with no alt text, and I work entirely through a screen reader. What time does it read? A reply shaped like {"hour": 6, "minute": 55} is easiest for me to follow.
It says {"hour": 3, "minute": 2}
